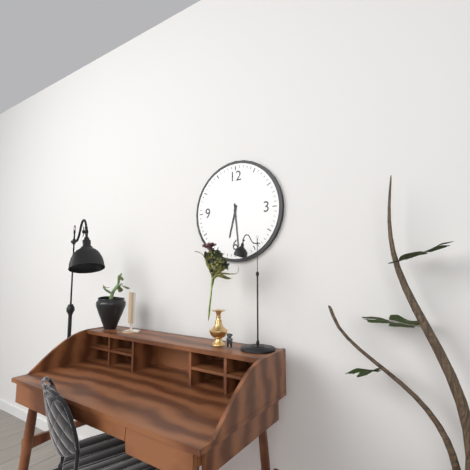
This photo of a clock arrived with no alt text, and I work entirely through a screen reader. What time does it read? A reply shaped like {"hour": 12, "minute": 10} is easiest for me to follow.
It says {"hour": 6, "minute": 29}
